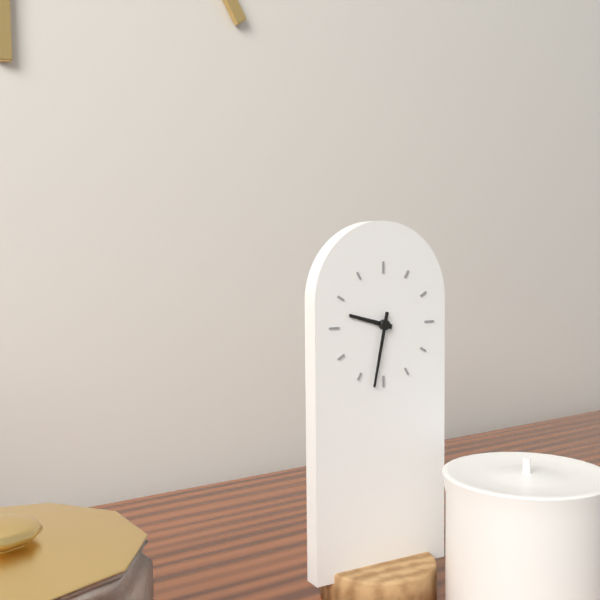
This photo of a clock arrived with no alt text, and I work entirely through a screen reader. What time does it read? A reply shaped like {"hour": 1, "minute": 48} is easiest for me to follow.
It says {"hour": 9, "minute": 32}
